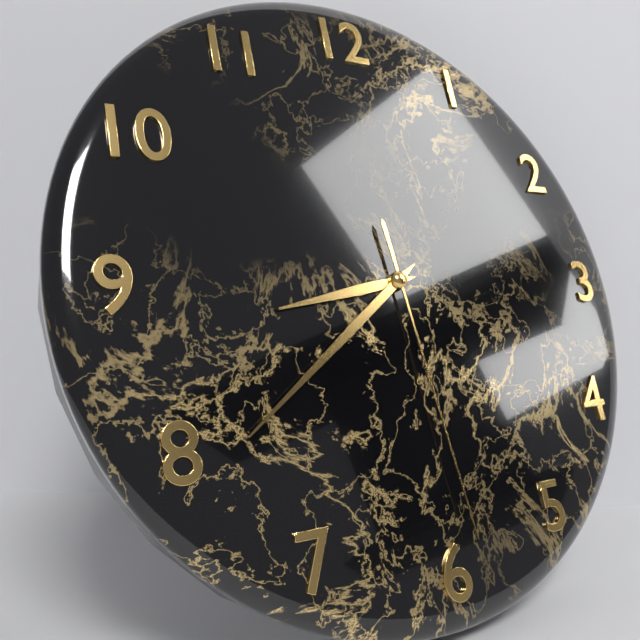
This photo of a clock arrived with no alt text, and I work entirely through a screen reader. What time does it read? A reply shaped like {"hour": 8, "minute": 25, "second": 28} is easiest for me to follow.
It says {"hour": 8, "minute": 39, "second": 29}
